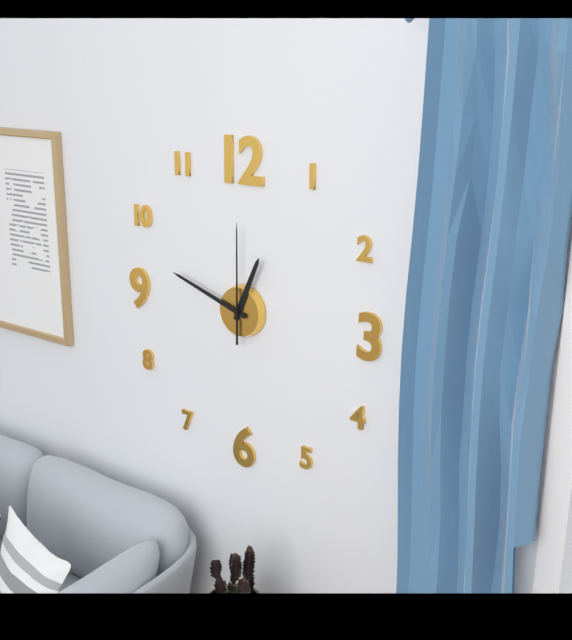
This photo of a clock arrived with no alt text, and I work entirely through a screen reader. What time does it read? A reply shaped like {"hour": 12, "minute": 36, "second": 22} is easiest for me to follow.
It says {"hour": 12, "minute": 48, "second": 0}
